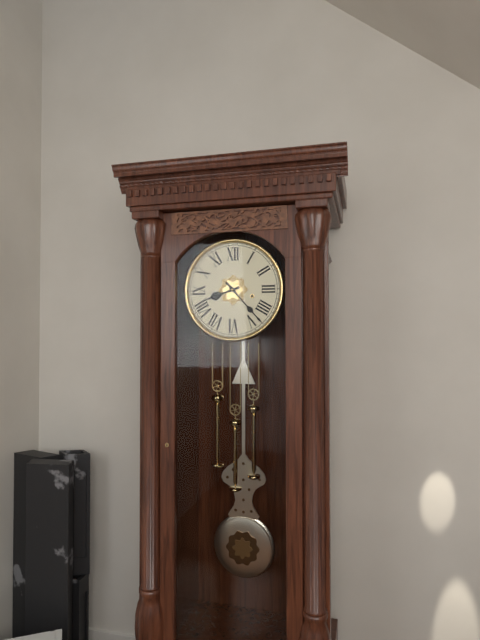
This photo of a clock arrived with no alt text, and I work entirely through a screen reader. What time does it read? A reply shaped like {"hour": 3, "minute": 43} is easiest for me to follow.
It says {"hour": 8, "minute": 23}
